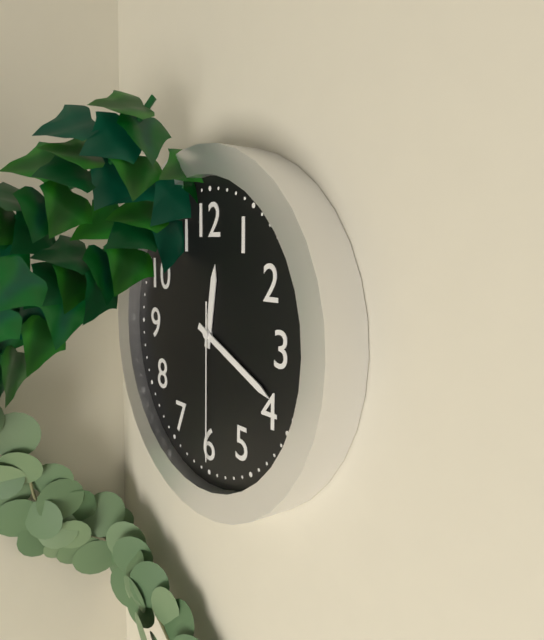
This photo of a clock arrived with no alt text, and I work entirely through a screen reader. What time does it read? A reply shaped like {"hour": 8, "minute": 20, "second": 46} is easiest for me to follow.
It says {"hour": 12, "minute": 19, "second": 30}
